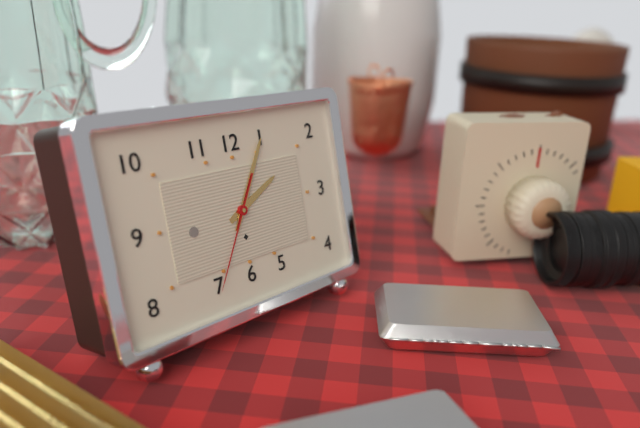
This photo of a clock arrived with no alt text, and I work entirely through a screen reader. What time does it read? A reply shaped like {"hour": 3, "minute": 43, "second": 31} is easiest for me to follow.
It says {"hour": 2, "minute": 5, "second": 35}
